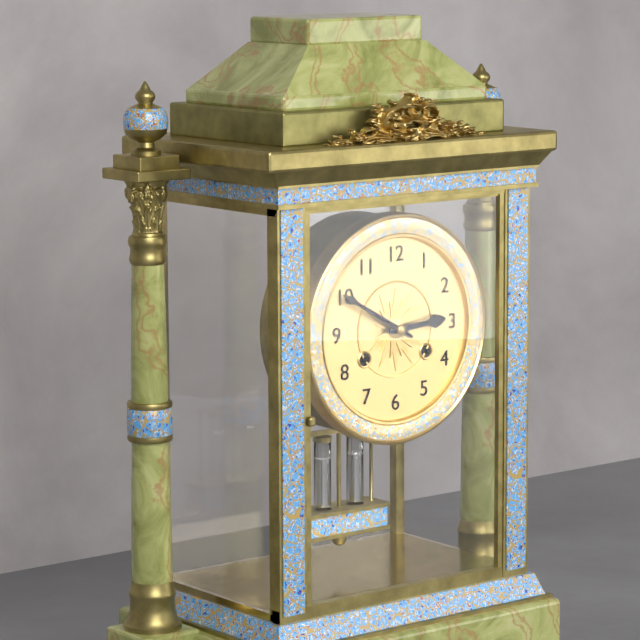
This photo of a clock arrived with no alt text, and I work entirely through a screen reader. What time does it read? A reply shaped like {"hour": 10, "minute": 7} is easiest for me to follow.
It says {"hour": 2, "minute": 50}
